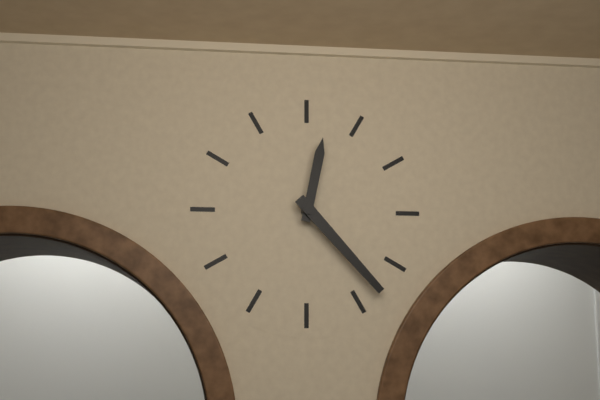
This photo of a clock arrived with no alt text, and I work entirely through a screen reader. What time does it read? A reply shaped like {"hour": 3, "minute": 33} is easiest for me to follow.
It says {"hour": 12, "minute": 23}
